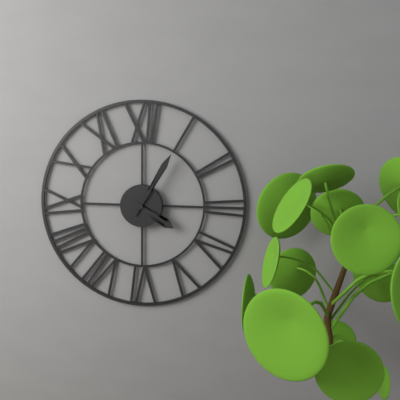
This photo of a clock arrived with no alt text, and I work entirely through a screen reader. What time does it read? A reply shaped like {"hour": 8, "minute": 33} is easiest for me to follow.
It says {"hour": 4, "minute": 5}
